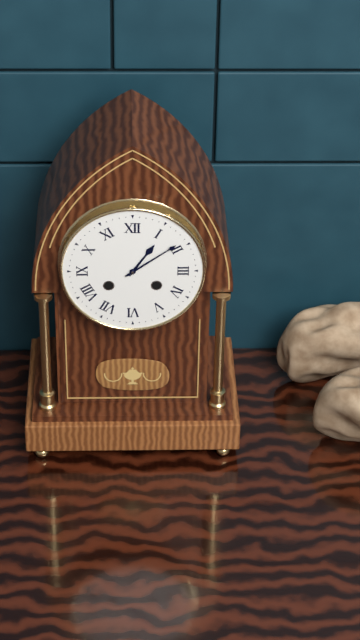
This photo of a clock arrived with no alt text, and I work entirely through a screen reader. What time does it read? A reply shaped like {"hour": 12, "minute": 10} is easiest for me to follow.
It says {"hour": 1, "minute": 9}
